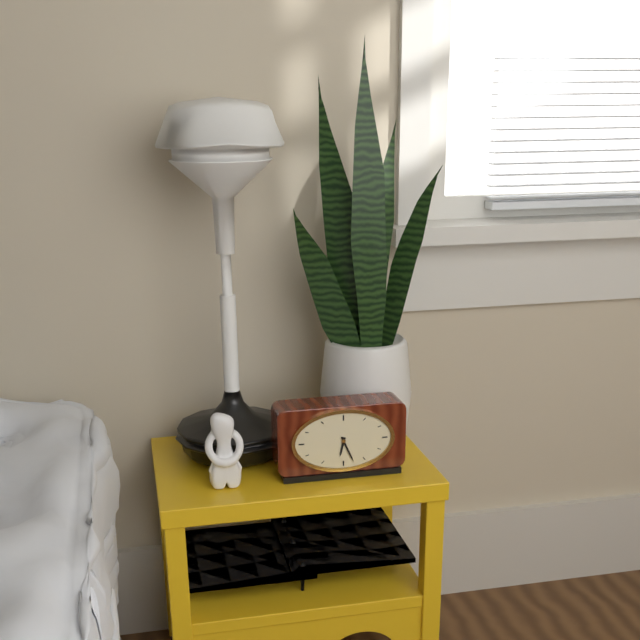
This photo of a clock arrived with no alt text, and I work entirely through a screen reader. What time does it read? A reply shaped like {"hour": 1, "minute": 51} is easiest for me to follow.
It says {"hour": 6, "minute": 26}
